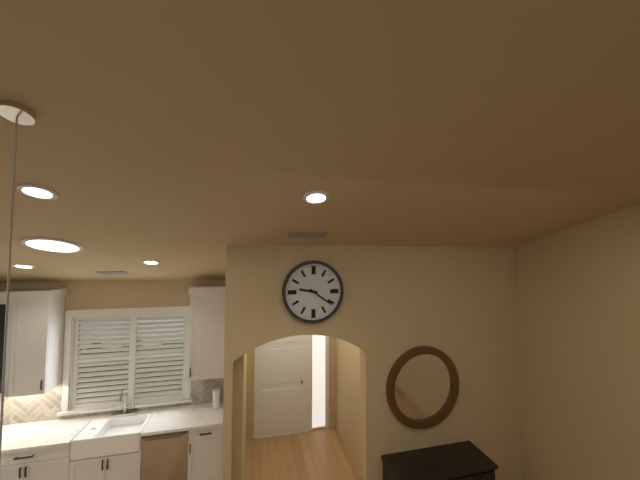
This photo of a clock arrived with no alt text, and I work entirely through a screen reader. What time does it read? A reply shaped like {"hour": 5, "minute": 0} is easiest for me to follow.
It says {"hour": 9, "minute": 21}
